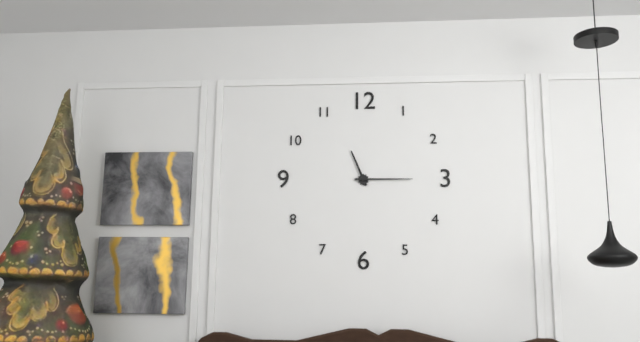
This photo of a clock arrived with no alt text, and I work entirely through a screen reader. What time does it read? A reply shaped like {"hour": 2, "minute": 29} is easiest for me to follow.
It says {"hour": 11, "minute": 15}
